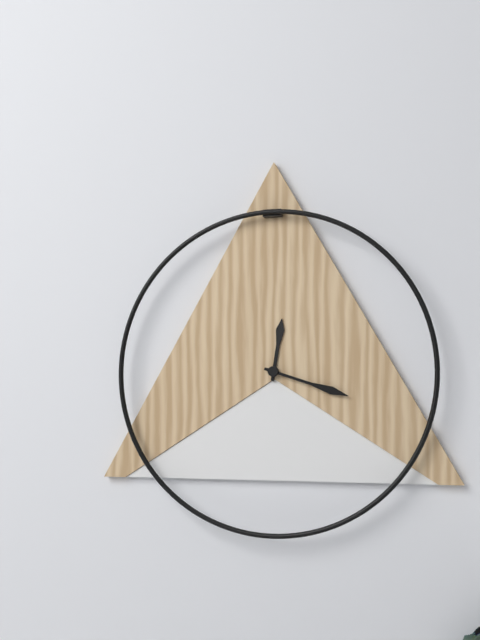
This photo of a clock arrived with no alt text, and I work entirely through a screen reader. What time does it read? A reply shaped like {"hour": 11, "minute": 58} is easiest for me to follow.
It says {"hour": 12, "minute": 18}
